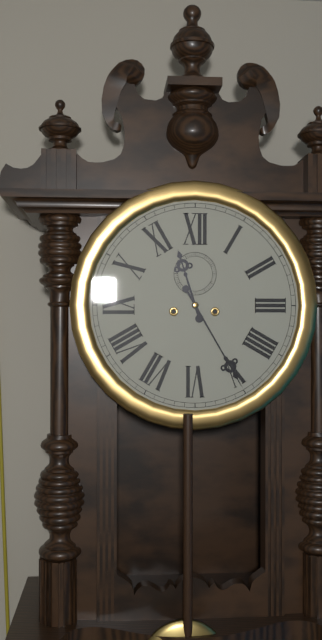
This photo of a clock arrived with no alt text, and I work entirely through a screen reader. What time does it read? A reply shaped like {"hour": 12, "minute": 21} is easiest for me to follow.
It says {"hour": 11, "minute": 25}
